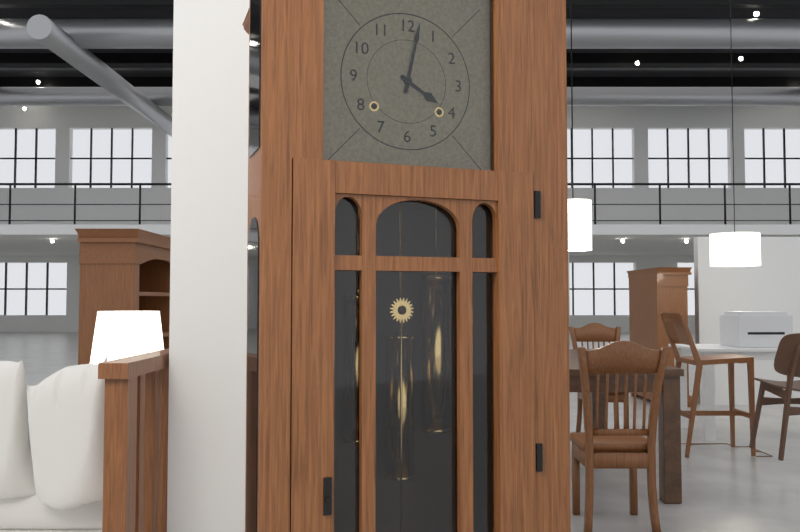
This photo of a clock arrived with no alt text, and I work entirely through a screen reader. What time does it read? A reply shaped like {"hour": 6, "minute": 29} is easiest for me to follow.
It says {"hour": 4, "minute": 2}
